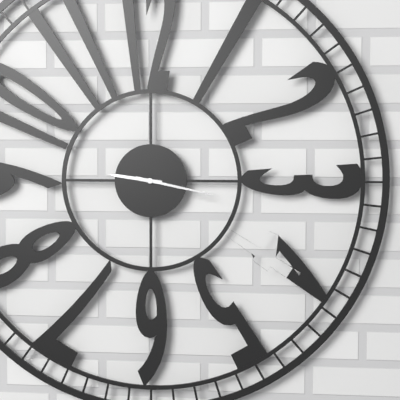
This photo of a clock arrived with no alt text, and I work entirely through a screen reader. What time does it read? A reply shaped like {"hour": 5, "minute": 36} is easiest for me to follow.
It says {"hour": 9, "minute": 17}
